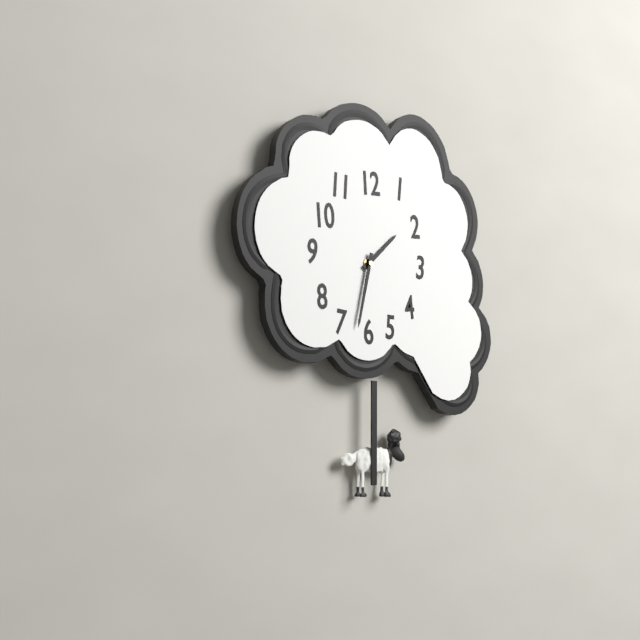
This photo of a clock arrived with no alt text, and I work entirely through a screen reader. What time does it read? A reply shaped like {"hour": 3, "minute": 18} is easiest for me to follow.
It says {"hour": 1, "minute": 32}
